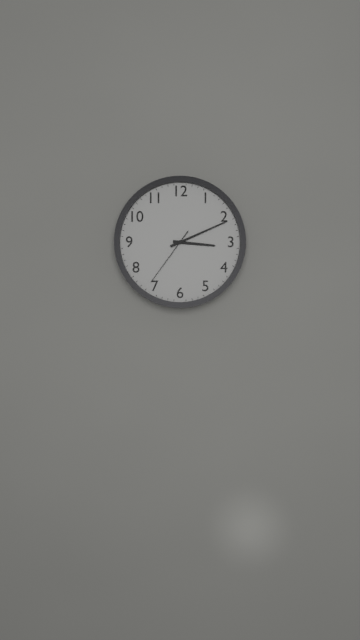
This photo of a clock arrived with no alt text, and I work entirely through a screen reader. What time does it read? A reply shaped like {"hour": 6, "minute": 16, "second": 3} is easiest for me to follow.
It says {"hour": 3, "minute": 11, "second": 36}
